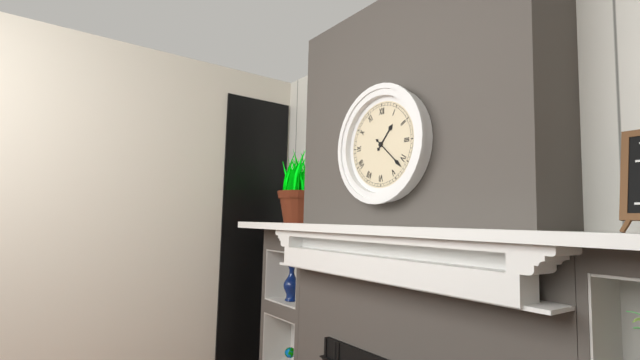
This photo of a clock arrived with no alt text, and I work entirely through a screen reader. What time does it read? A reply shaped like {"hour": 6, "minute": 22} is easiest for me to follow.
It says {"hour": 1, "minute": 22}
